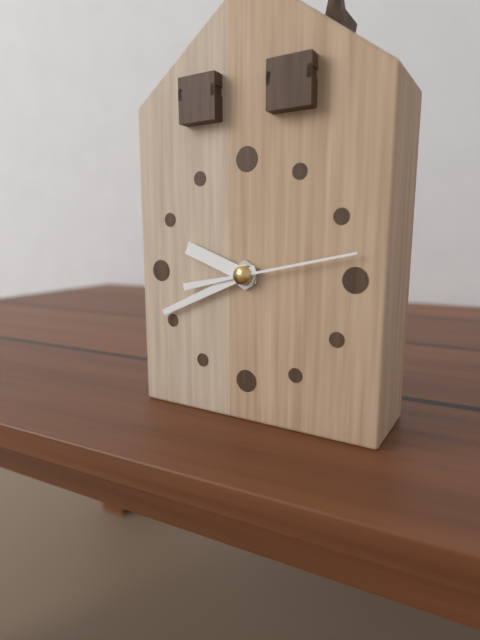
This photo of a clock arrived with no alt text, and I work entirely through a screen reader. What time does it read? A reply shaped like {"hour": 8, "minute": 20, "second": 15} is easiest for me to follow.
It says {"hour": 9, "minute": 41, "second": 13}
